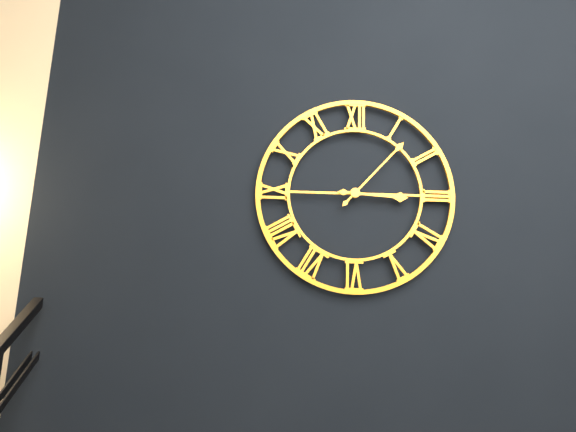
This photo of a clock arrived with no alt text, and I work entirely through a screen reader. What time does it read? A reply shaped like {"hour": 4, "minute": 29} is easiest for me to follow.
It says {"hour": 3, "minute": 7}
